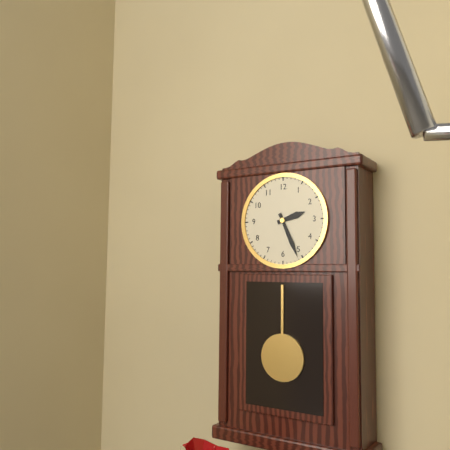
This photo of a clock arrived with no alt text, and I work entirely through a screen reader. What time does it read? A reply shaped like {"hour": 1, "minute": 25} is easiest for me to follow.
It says {"hour": 2, "minute": 26}
